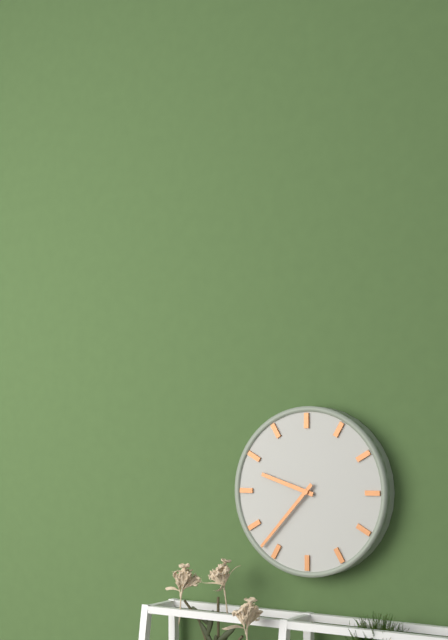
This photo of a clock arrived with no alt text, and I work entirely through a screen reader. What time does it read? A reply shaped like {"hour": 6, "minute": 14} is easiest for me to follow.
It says {"hour": 9, "minute": 37}
